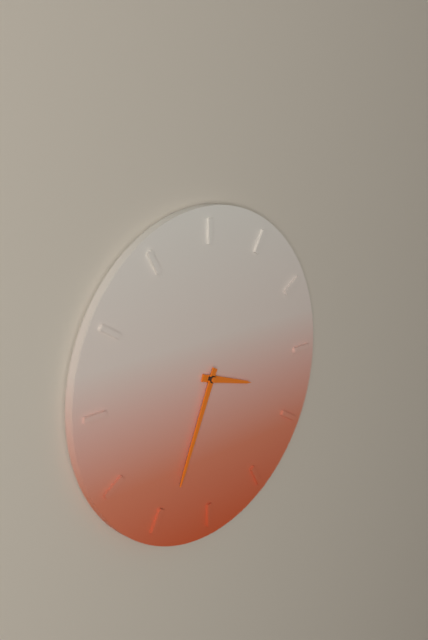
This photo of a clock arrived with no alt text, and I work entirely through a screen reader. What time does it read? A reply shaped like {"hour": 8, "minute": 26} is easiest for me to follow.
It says {"hour": 3, "minute": 34}
